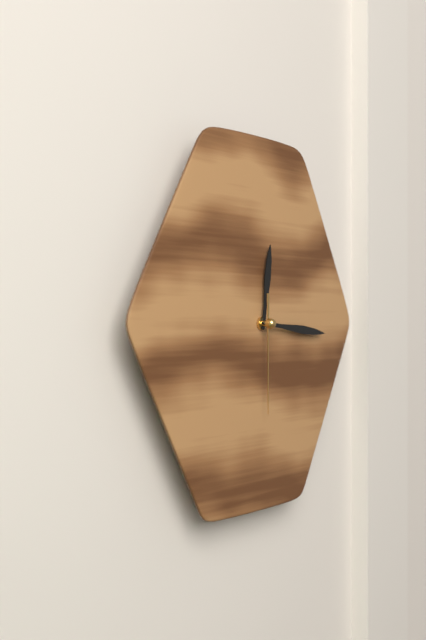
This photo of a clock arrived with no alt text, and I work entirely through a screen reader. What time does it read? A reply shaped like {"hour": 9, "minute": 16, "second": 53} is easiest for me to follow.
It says {"hour": 12, "minute": 16, "second": 30}
